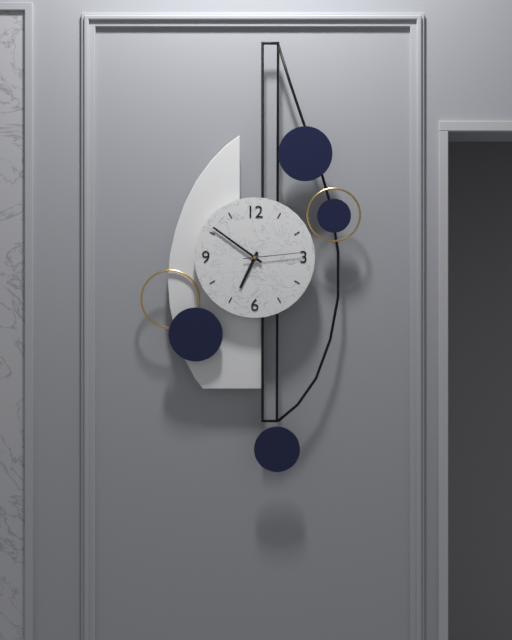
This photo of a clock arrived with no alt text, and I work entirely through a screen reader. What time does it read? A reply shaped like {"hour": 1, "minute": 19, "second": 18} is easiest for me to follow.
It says {"hour": 6, "minute": 51, "second": 14}
